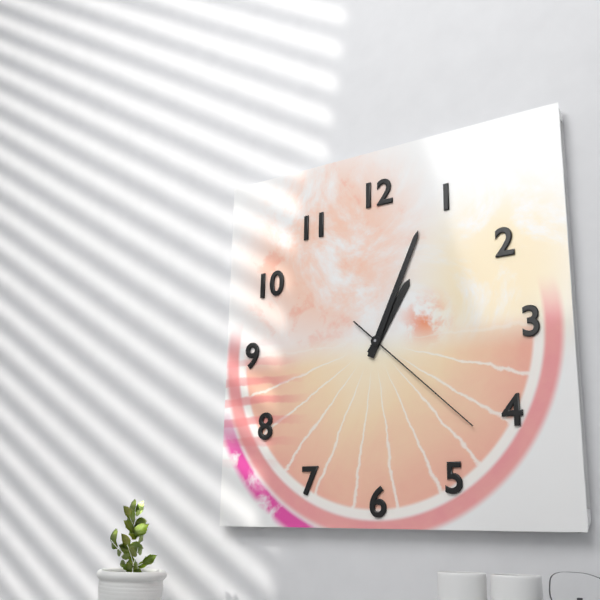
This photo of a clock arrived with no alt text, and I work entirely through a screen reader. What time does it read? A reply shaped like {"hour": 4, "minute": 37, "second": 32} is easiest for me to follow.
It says {"hour": 1, "minute": 4, "second": 22}
